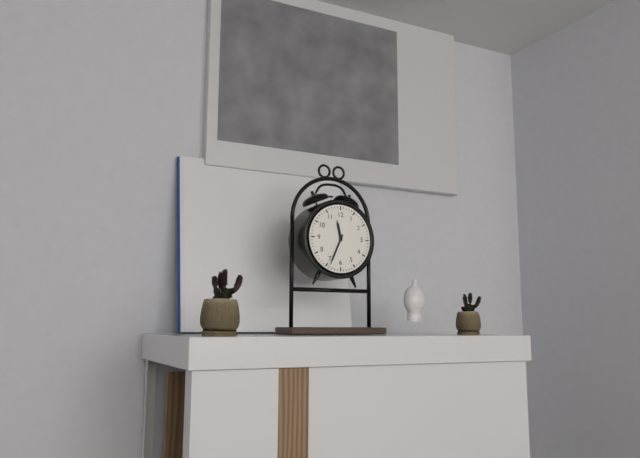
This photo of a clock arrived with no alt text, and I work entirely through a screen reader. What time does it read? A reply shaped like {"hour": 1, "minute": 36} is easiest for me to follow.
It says {"hour": 11, "minute": 34}
